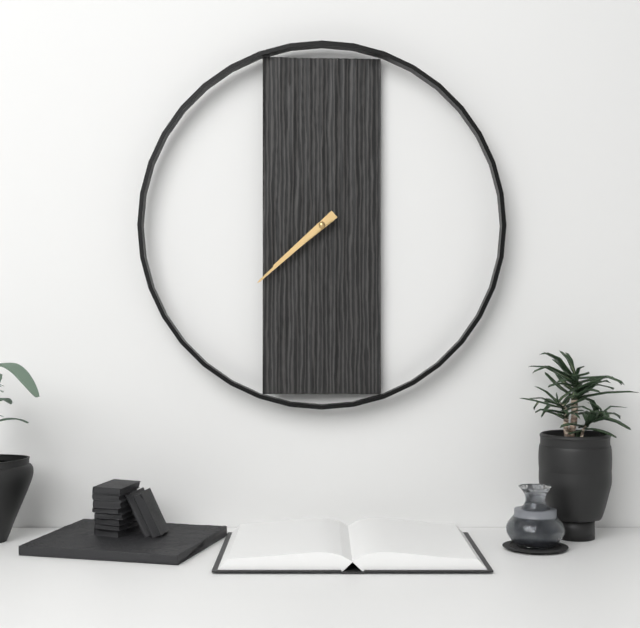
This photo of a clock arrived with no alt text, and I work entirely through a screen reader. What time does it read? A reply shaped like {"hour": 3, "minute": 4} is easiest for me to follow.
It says {"hour": 7, "minute": 38}
